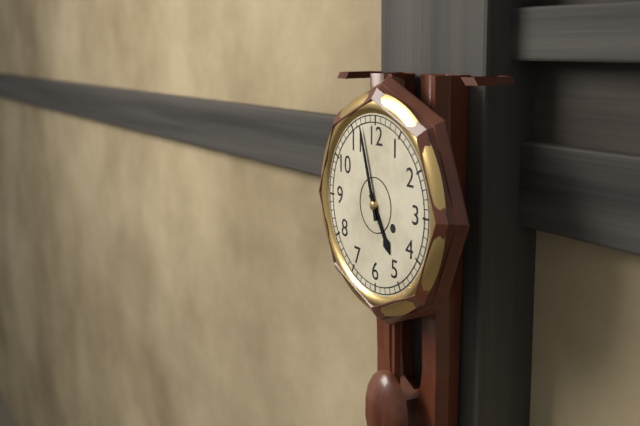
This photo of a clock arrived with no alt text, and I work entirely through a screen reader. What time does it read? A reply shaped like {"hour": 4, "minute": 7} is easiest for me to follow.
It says {"hour": 4, "minute": 57}
